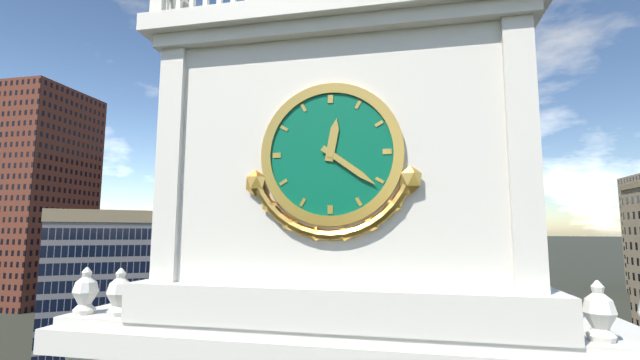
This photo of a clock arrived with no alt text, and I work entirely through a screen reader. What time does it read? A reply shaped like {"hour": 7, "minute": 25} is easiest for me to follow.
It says {"hour": 12, "minute": 21}
